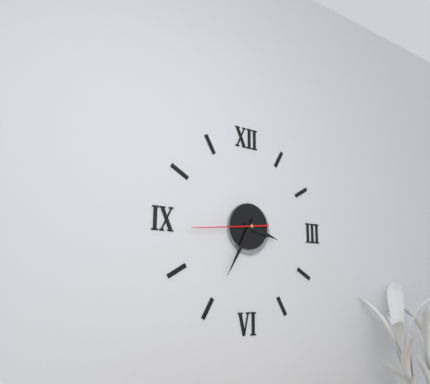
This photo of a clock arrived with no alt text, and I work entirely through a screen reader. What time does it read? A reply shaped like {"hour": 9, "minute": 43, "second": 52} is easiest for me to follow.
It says {"hour": 3, "minute": 35, "second": 44}
